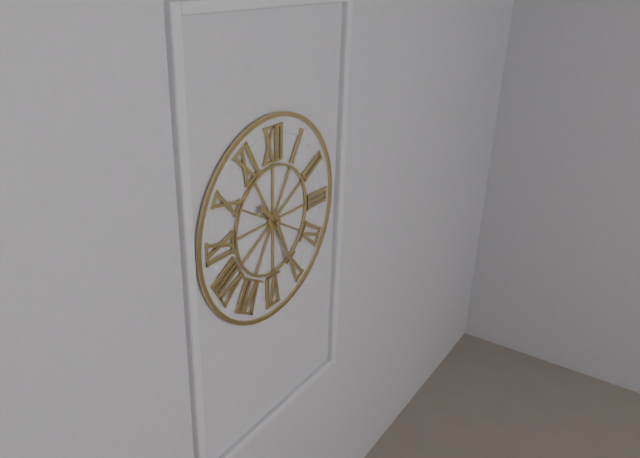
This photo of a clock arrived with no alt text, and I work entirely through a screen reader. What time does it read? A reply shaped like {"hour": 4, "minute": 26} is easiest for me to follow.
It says {"hour": 10, "minute": 26}
